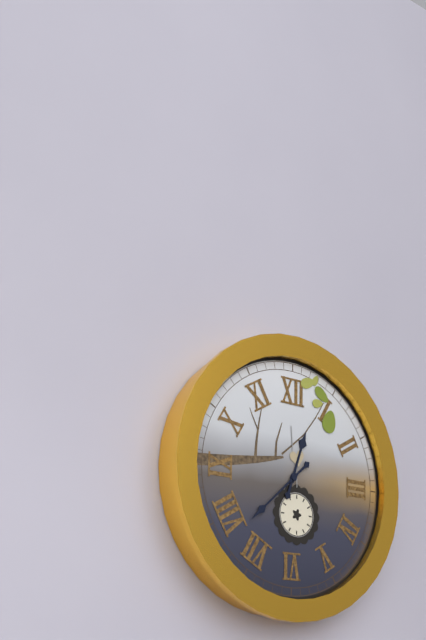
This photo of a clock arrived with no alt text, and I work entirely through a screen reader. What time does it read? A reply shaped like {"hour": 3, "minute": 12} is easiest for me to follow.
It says {"hour": 12, "minute": 38}
